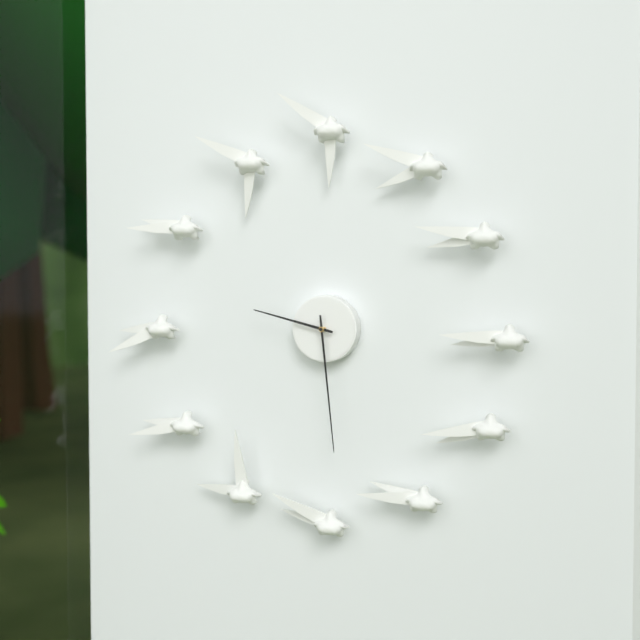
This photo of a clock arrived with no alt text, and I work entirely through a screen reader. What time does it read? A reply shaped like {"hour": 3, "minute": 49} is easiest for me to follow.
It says {"hour": 9, "minute": 29}
